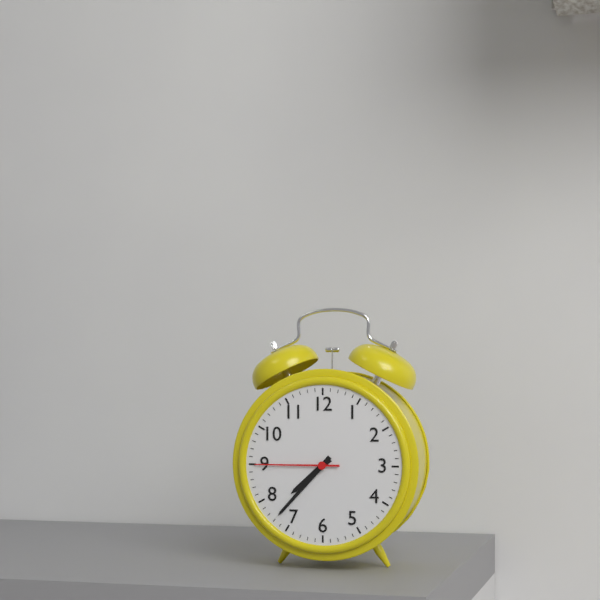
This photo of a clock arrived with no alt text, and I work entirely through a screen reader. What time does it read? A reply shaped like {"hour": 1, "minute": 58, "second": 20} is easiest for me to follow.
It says {"hour": 7, "minute": 37, "second": 45}
